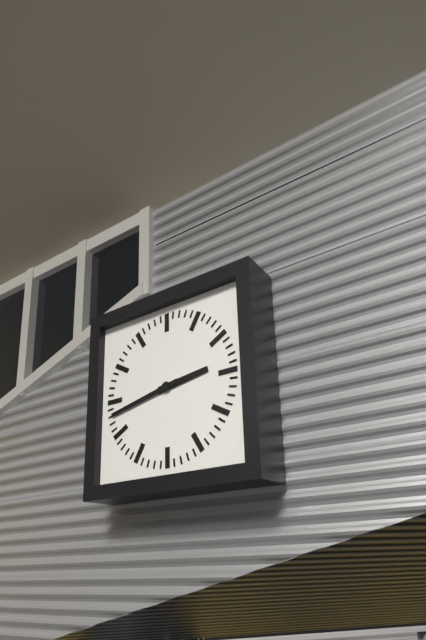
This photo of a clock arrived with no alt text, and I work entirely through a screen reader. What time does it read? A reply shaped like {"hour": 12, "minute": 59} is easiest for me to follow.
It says {"hour": 2, "minute": 43}
